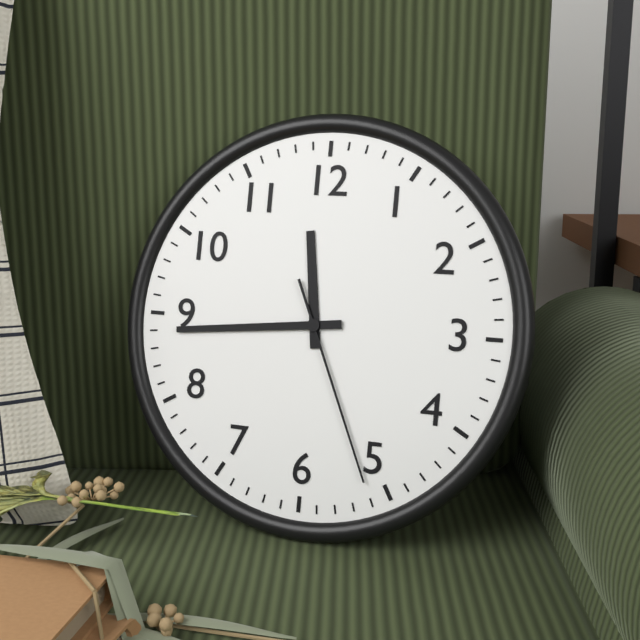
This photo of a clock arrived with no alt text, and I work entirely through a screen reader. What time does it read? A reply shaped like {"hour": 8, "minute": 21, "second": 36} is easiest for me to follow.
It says {"hour": 11, "minute": 44, "second": 26}
